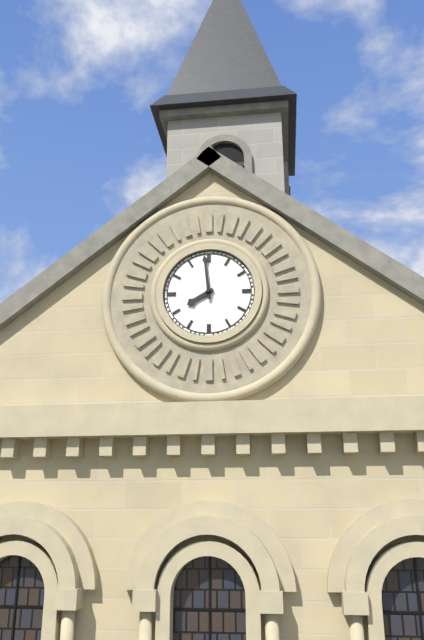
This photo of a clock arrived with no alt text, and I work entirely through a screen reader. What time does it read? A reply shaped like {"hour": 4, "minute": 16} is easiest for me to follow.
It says {"hour": 7, "minute": 59}
